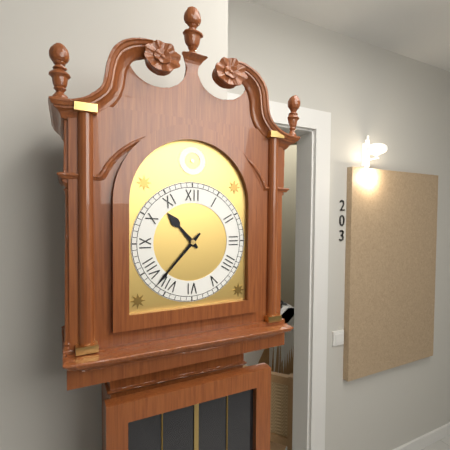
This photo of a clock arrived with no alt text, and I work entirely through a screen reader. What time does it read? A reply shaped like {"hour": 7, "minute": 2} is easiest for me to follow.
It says {"hour": 10, "minute": 37}
